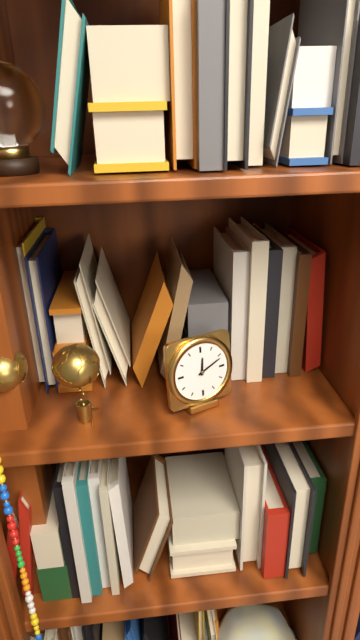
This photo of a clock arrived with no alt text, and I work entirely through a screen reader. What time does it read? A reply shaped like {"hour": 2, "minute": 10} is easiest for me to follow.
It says {"hour": 12, "minute": 11}
